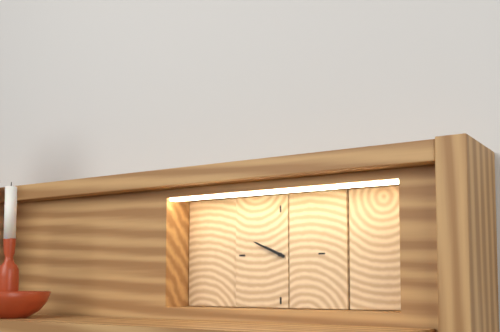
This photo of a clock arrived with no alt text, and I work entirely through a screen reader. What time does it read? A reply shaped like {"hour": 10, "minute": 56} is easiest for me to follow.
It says {"hour": 9, "minute": 49}
